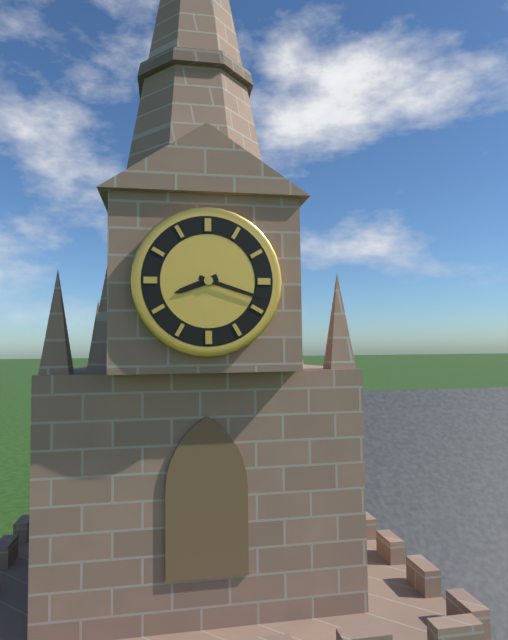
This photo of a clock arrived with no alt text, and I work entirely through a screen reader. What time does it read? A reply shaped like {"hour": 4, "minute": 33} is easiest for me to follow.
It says {"hour": 8, "minute": 18}
